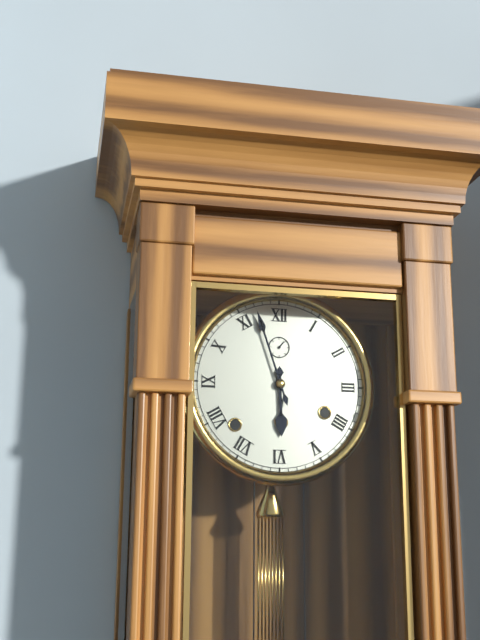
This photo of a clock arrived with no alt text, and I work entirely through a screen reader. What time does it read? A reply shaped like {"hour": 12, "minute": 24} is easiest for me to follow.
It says {"hour": 5, "minute": 57}
